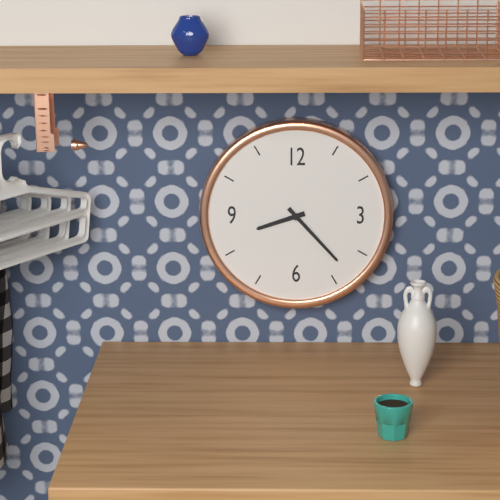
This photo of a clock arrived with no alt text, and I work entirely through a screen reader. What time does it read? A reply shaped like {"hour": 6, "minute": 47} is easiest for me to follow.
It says {"hour": 8, "minute": 23}
